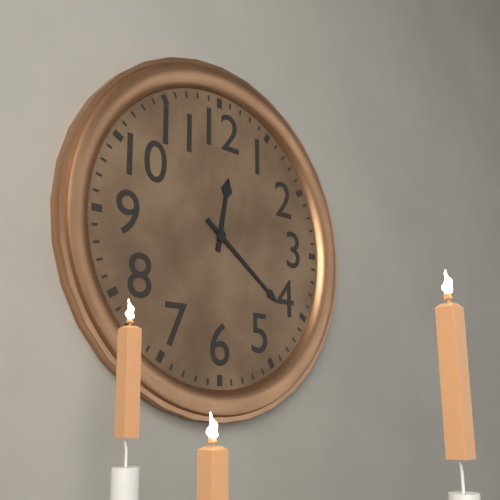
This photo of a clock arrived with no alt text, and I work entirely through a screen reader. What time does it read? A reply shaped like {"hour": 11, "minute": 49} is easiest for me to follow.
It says {"hour": 12, "minute": 21}
